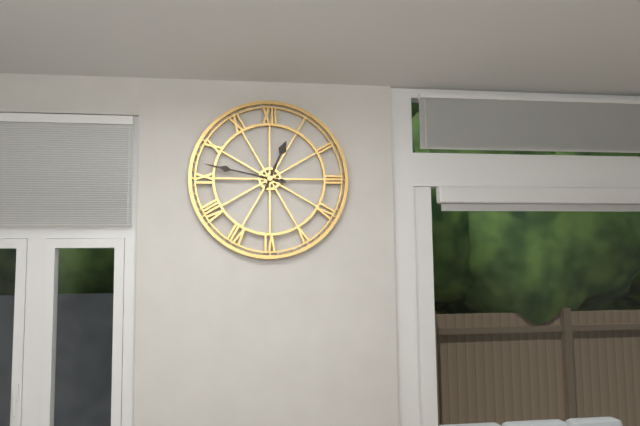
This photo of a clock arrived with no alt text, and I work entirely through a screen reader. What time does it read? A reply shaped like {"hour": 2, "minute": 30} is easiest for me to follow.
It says {"hour": 12, "minute": 47}
